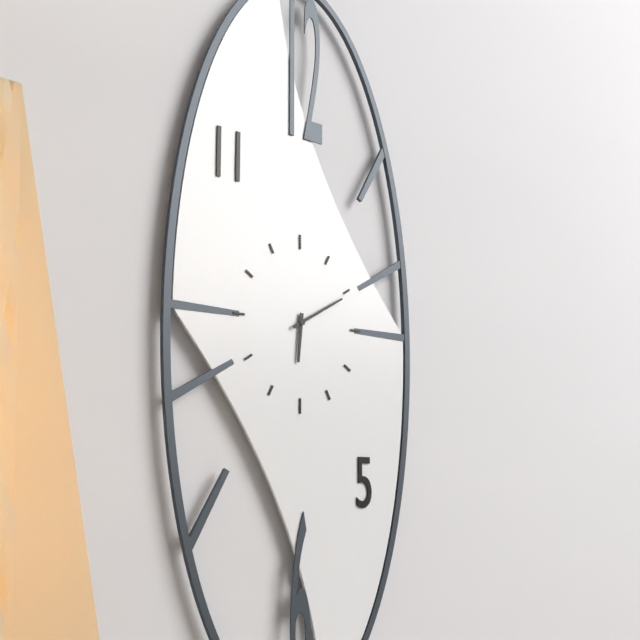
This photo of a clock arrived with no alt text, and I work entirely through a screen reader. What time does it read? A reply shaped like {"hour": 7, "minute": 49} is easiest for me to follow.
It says {"hour": 6, "minute": 10}
